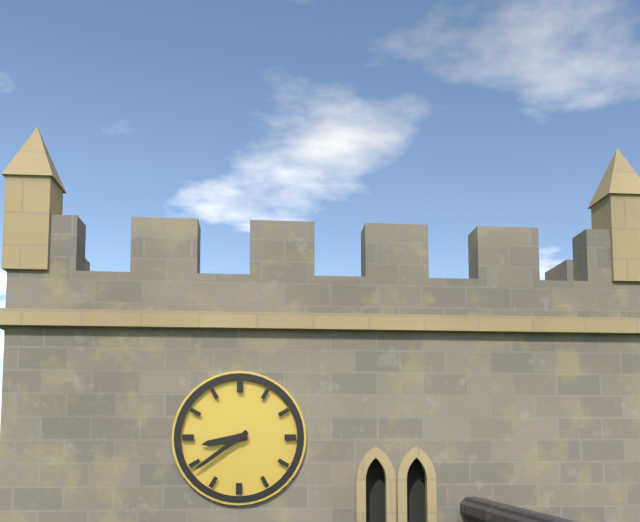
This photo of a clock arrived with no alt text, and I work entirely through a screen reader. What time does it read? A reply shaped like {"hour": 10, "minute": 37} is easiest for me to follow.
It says {"hour": 8, "minute": 39}
